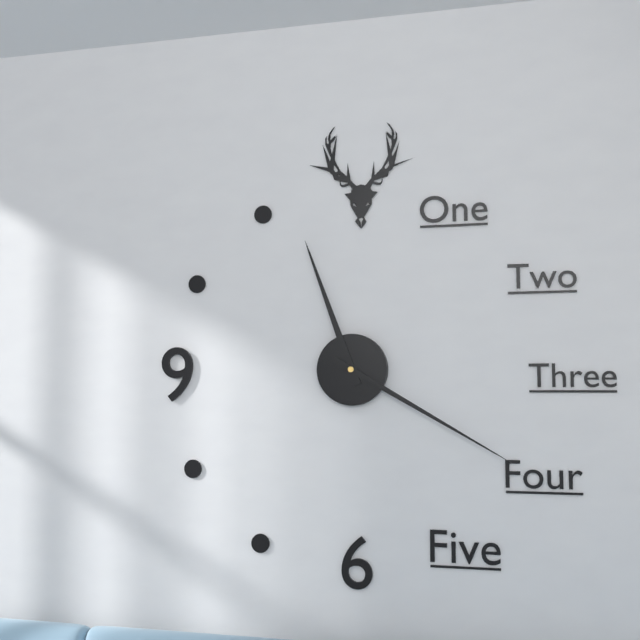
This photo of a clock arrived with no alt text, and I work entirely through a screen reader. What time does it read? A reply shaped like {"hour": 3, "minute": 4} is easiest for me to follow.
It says {"hour": 11, "minute": 20}
